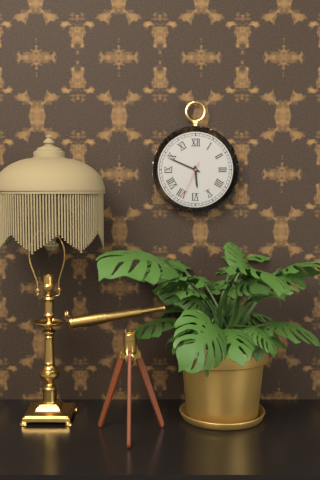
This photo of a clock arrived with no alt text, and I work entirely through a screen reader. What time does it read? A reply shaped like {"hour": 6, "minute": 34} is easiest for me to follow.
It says {"hour": 5, "minute": 49}
